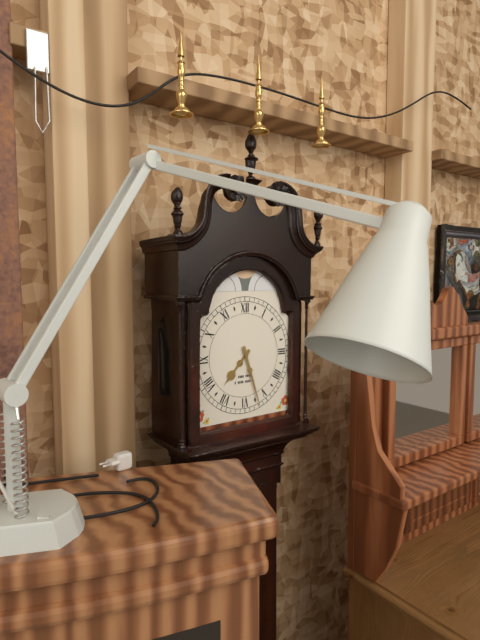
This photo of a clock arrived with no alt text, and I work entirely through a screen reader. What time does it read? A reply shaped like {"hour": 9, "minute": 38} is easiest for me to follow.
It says {"hour": 7, "minute": 27}
